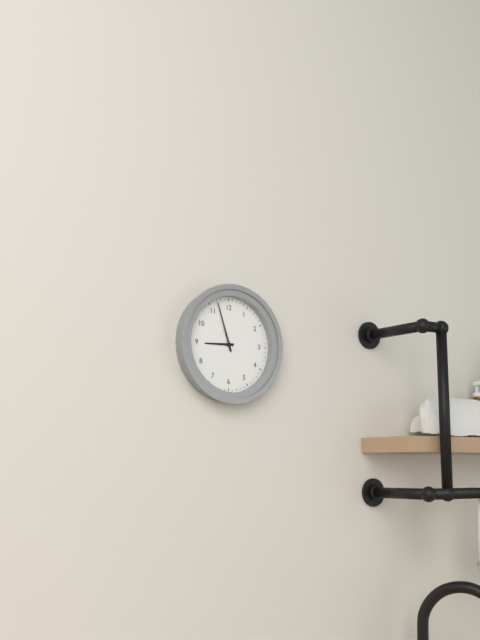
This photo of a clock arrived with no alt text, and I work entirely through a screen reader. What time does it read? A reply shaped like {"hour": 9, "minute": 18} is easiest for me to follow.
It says {"hour": 8, "minute": 57}
